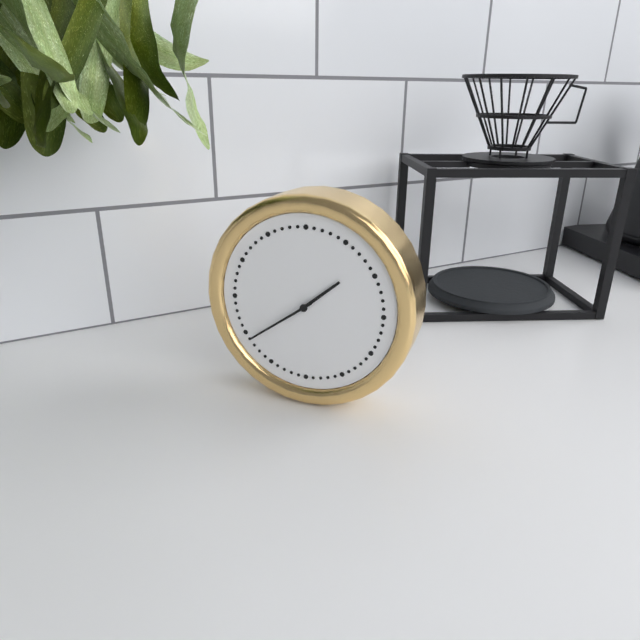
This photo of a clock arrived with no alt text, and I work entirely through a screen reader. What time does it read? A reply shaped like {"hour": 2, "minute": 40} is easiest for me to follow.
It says {"hour": 1, "minute": 39}
